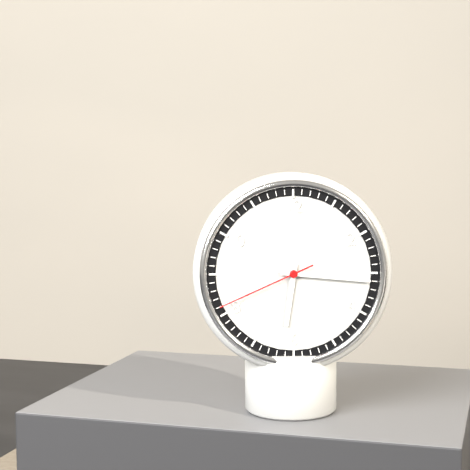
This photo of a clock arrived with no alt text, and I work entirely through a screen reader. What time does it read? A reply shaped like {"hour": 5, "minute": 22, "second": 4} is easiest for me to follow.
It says {"hour": 6, "minute": 16, "second": 41}
